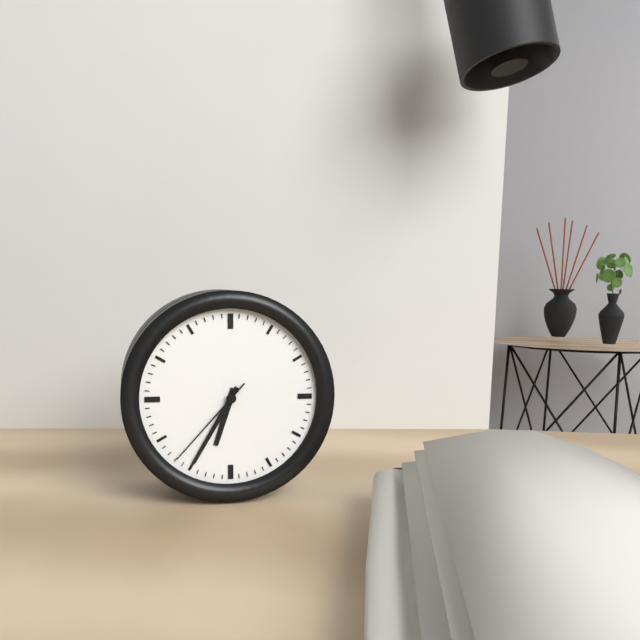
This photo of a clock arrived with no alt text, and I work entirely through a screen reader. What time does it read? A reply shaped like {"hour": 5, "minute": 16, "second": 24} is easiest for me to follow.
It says {"hour": 6, "minute": 35, "second": 37}
